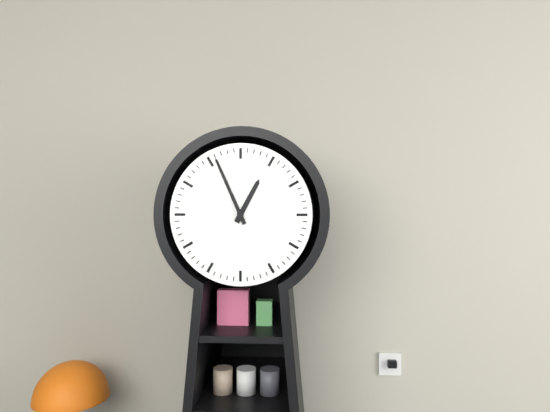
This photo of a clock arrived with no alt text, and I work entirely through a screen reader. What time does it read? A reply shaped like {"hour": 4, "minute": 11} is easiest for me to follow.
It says {"hour": 12, "minute": 56}
